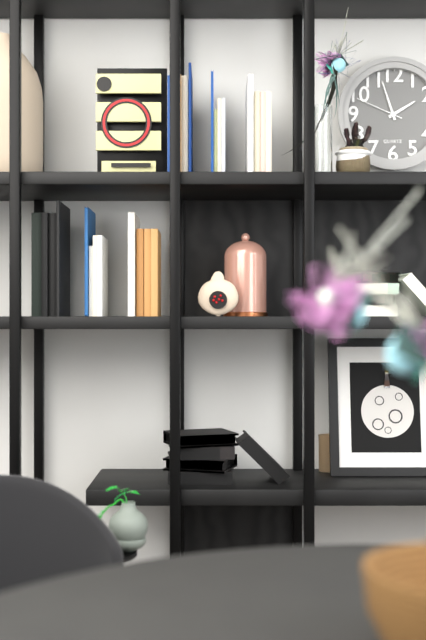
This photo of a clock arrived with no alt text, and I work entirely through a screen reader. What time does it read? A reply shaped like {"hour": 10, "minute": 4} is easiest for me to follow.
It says {"hour": 1, "minute": 57}
